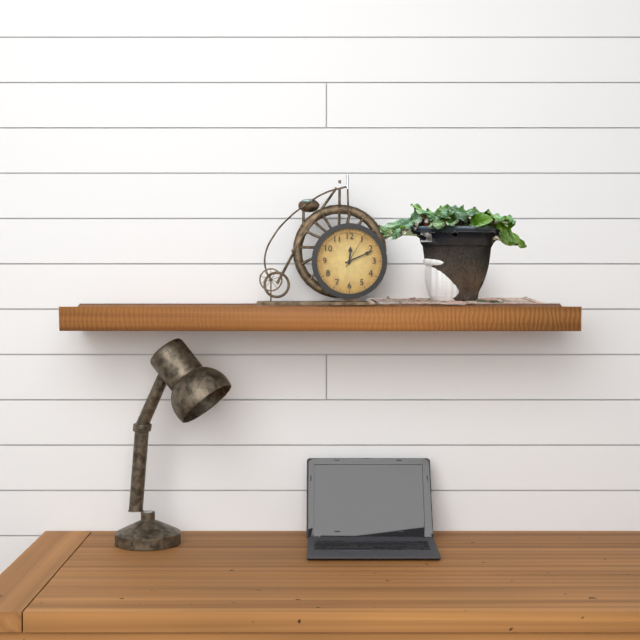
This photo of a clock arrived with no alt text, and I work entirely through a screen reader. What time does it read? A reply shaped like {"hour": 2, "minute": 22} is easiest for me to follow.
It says {"hour": 12, "minute": 11}
